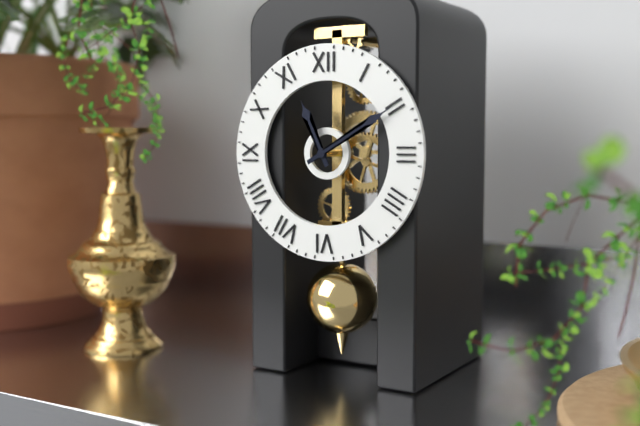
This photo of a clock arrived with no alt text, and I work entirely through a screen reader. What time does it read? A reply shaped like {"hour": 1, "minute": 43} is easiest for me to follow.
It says {"hour": 11, "minute": 10}
